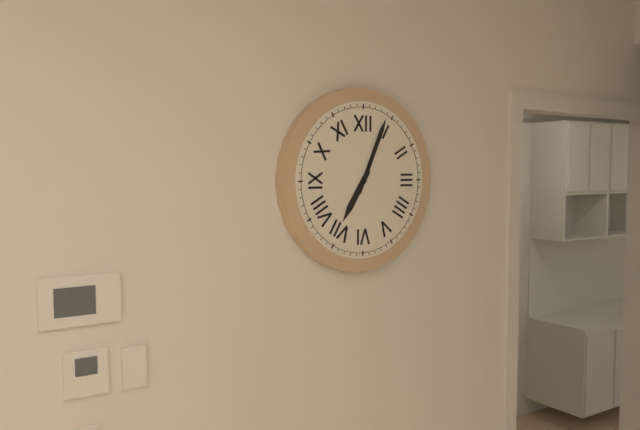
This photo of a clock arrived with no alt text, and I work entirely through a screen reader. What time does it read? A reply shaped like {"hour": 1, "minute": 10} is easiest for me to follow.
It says {"hour": 7, "minute": 4}
